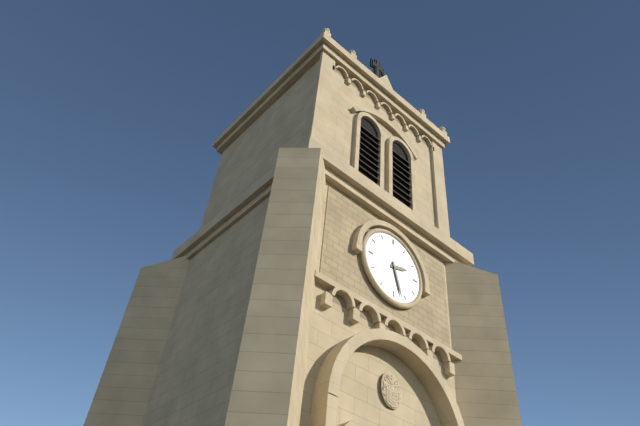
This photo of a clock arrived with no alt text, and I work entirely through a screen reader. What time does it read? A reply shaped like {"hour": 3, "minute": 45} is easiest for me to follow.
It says {"hour": 2, "minute": 27}
